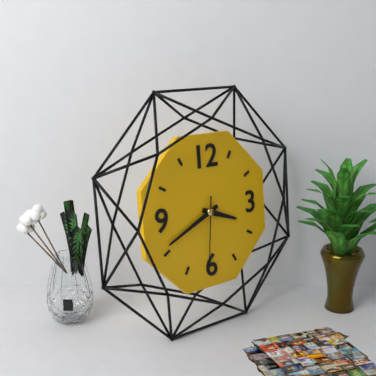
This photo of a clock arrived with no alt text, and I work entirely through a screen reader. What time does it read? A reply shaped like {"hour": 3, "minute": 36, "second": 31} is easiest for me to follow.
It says {"hour": 3, "minute": 41, "second": 31}
